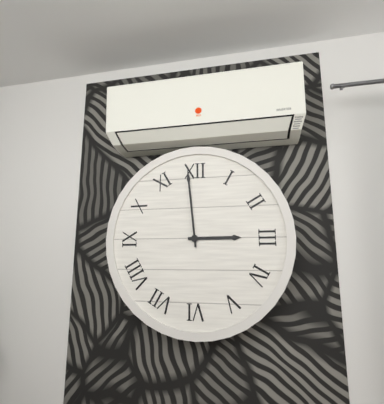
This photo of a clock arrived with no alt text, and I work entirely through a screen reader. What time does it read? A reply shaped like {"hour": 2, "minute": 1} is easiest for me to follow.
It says {"hour": 2, "minute": 59}
